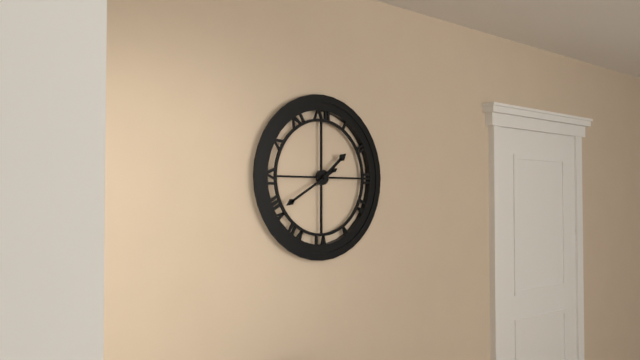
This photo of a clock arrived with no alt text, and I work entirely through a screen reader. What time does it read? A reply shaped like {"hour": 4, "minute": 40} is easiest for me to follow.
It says {"hour": 1, "minute": 40}
